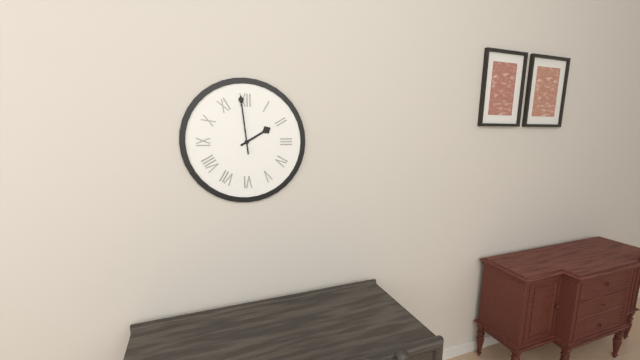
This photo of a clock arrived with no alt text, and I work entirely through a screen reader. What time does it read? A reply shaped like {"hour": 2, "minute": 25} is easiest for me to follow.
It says {"hour": 1, "minute": 59}
